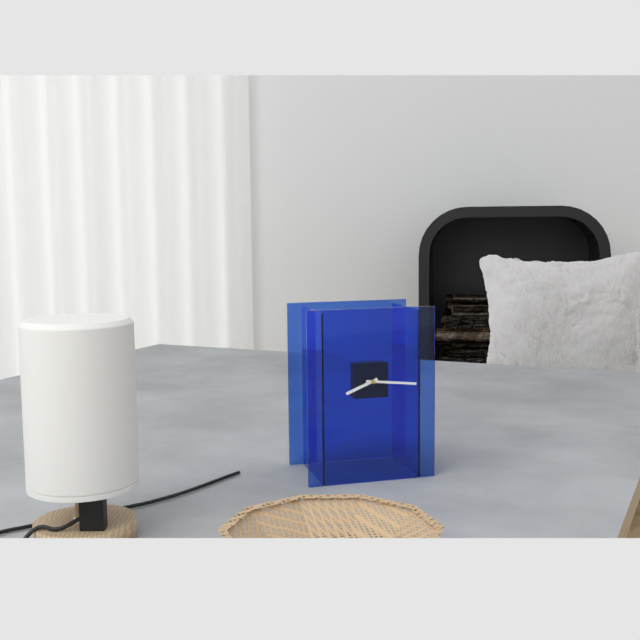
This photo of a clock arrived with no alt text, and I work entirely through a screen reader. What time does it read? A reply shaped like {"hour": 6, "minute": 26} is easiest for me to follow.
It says {"hour": 8, "minute": 16}
